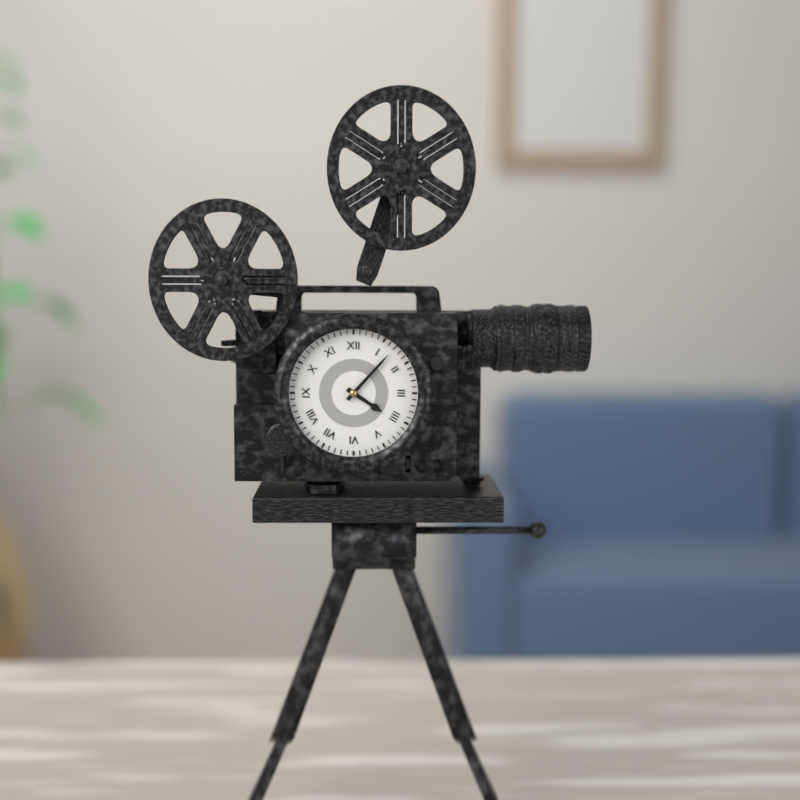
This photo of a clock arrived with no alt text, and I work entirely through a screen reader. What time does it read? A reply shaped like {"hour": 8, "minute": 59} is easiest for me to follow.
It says {"hour": 4, "minute": 7}
